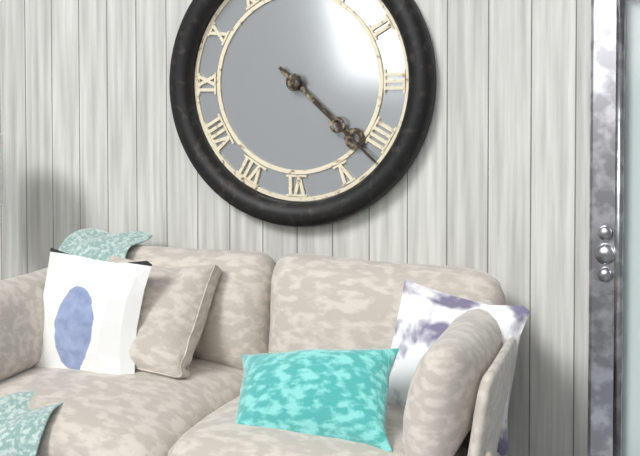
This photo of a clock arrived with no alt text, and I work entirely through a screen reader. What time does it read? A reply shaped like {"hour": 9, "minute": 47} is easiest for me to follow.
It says {"hour": 4, "minute": 22}
